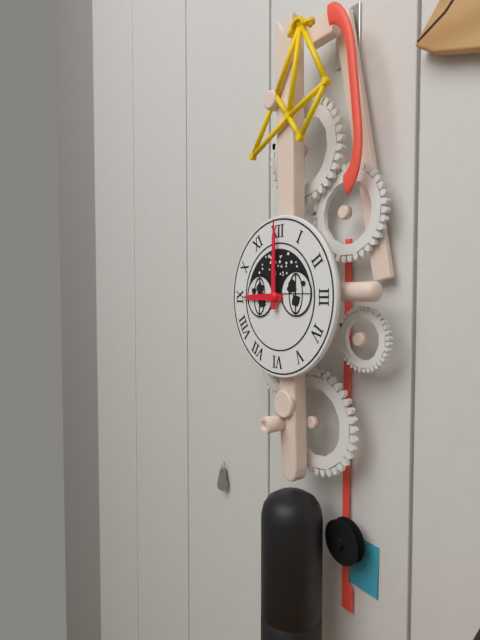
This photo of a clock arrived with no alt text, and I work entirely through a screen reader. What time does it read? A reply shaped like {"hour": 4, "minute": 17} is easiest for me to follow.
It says {"hour": 9, "minute": 0}
